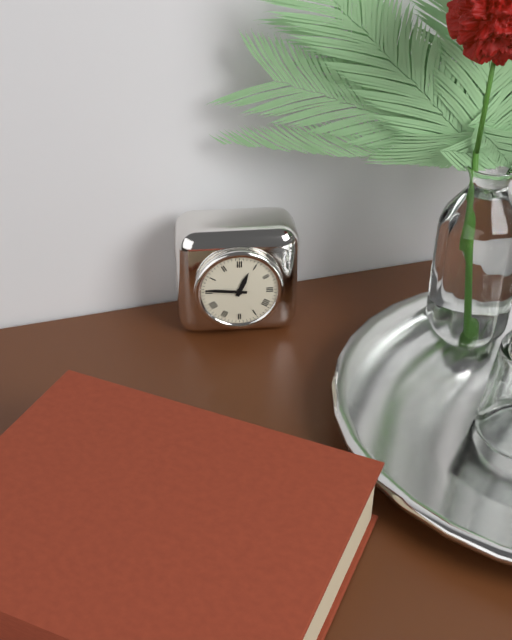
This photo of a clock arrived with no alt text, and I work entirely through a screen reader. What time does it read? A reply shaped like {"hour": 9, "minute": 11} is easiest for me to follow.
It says {"hour": 12, "minute": 46}
